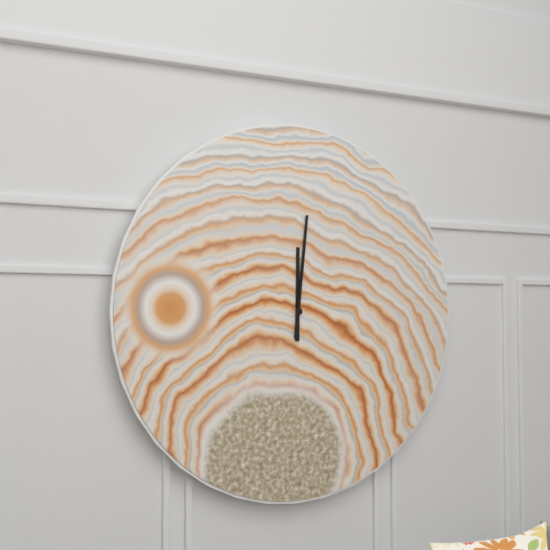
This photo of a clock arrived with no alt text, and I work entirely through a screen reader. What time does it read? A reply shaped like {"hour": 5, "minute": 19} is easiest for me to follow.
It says {"hour": 12, "minute": 1}
